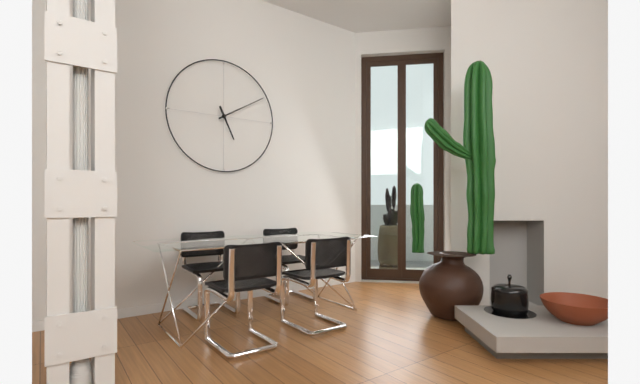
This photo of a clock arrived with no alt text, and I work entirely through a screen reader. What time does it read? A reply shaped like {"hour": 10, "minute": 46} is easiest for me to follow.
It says {"hour": 5, "minute": 10}
